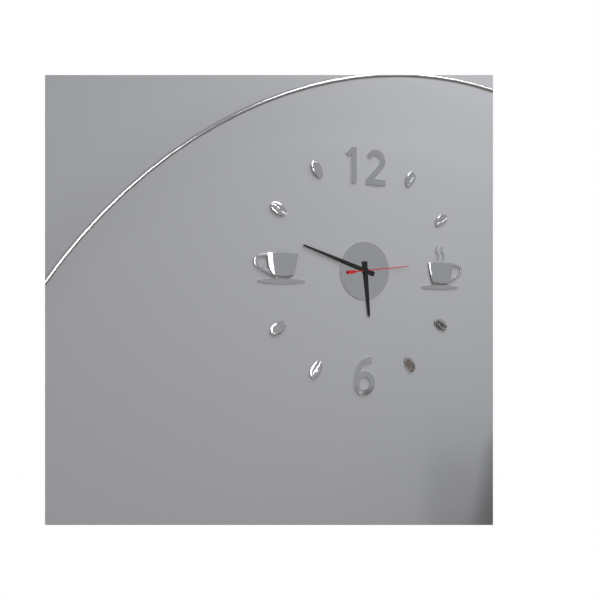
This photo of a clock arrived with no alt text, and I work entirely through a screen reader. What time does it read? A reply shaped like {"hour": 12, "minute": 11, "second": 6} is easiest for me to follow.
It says {"hour": 5, "minute": 48, "second": 14}
